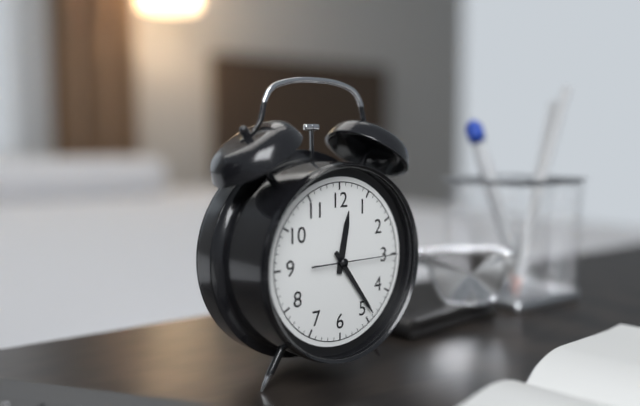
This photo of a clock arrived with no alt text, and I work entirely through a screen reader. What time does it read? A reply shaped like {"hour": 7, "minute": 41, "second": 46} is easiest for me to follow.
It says {"hour": 12, "minute": 24, "second": 15}
